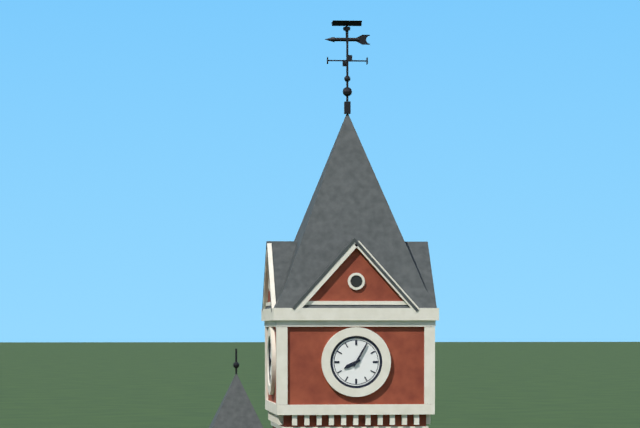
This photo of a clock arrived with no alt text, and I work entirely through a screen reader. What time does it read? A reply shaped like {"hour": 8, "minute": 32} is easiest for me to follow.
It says {"hour": 8, "minute": 5}
